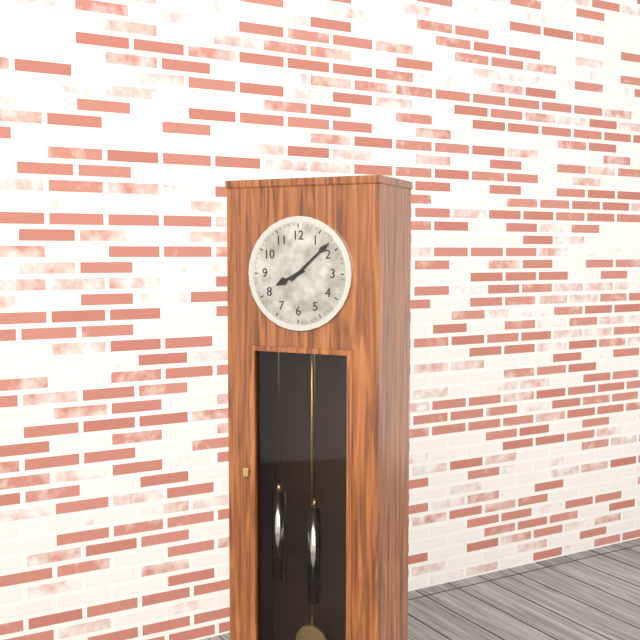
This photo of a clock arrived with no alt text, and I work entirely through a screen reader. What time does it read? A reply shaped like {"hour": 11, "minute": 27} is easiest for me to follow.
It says {"hour": 8, "minute": 8}
